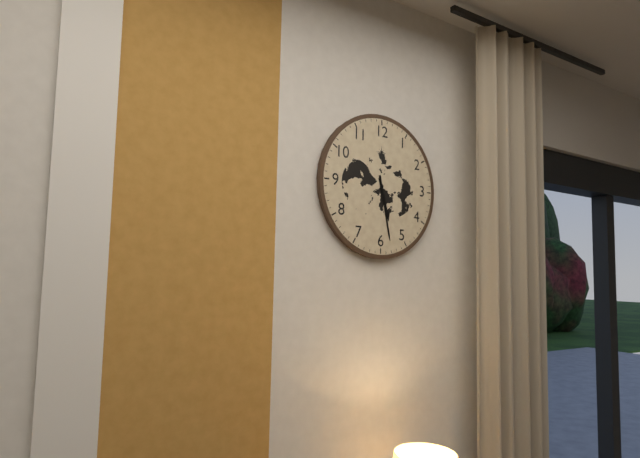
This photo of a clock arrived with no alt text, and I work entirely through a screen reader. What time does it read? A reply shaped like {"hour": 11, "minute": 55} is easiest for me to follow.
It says {"hour": 5, "minute": 28}
